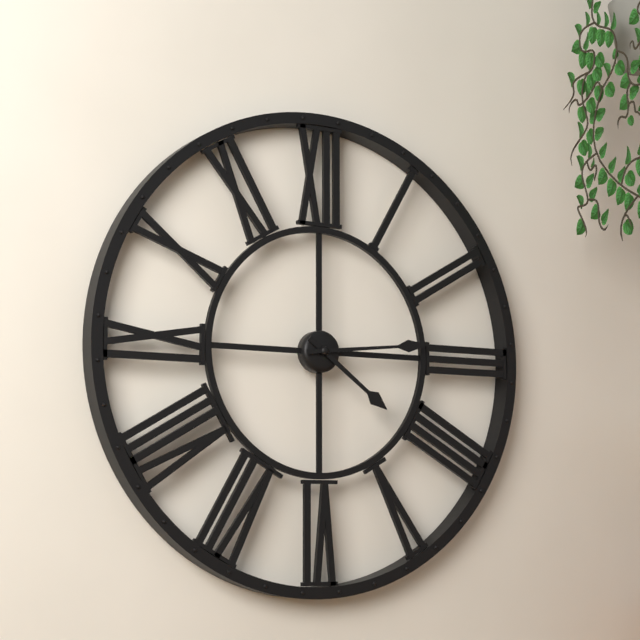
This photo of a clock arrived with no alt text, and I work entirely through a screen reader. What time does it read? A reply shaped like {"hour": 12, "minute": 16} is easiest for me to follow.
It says {"hour": 4, "minute": 14}
